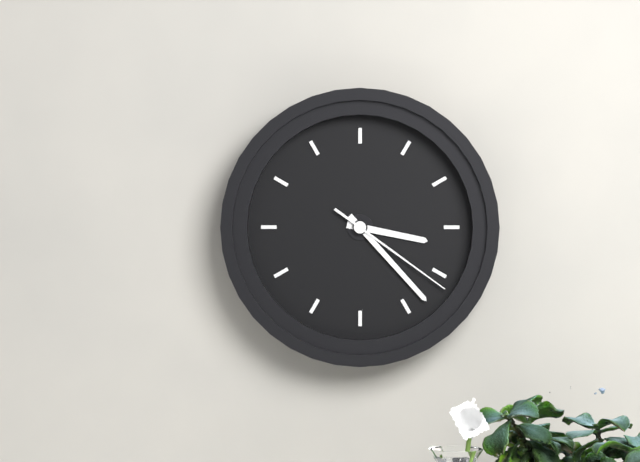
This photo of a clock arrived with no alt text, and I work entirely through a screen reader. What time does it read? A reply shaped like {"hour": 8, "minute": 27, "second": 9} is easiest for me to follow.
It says {"hour": 3, "minute": 23, "second": 21}
